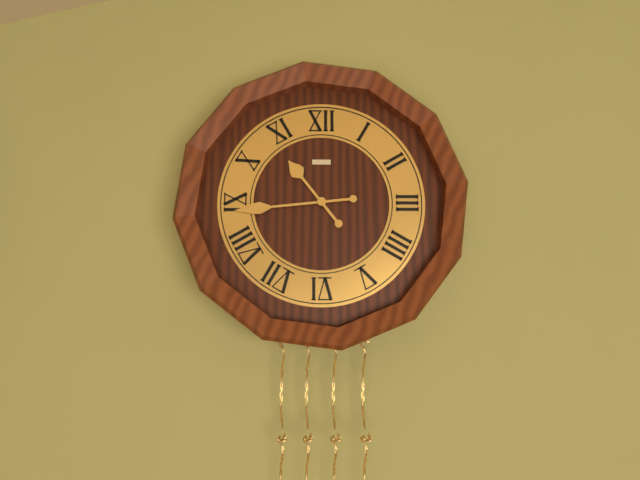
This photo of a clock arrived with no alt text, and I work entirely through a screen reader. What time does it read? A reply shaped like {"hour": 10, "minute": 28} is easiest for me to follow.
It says {"hour": 10, "minute": 44}
